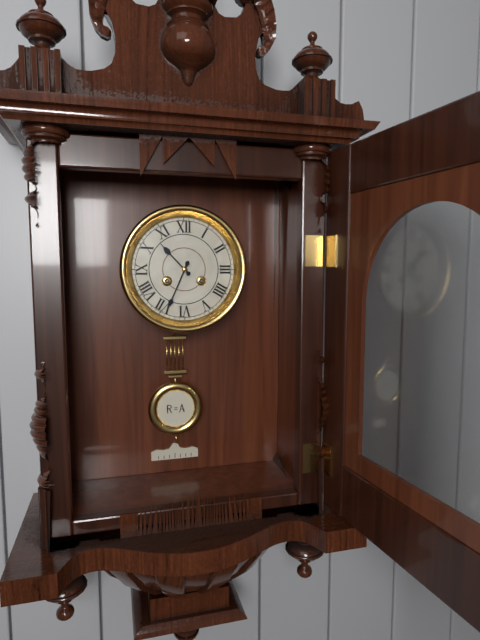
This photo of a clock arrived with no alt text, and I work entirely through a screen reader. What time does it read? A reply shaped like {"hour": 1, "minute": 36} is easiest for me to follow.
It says {"hour": 10, "minute": 34}
